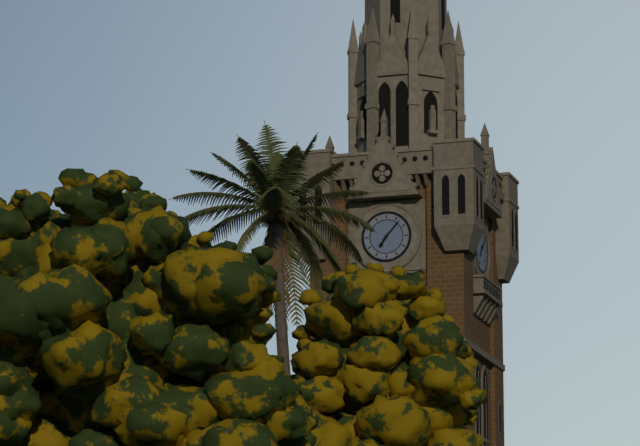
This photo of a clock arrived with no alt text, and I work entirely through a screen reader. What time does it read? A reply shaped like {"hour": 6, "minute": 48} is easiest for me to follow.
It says {"hour": 7, "minute": 7}
